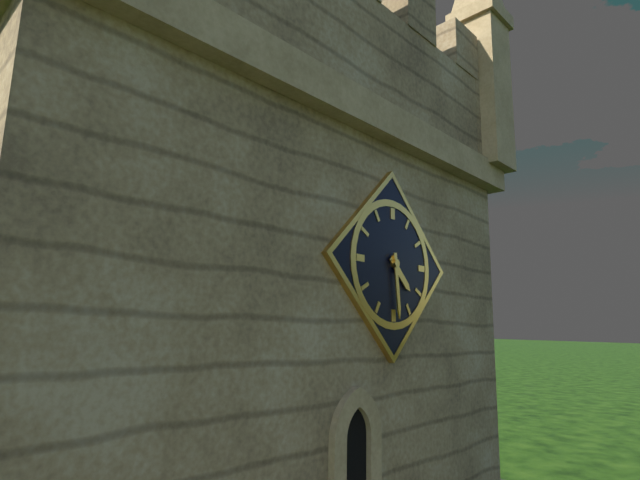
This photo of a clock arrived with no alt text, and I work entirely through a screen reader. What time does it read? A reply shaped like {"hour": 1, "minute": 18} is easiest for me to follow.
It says {"hour": 4, "minute": 29}
